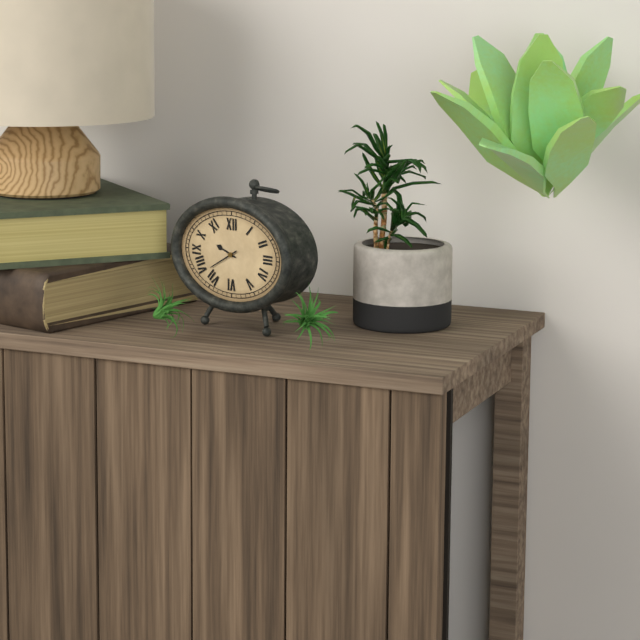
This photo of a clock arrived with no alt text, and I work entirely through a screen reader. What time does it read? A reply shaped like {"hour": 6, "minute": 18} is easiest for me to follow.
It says {"hour": 9, "minute": 40}
